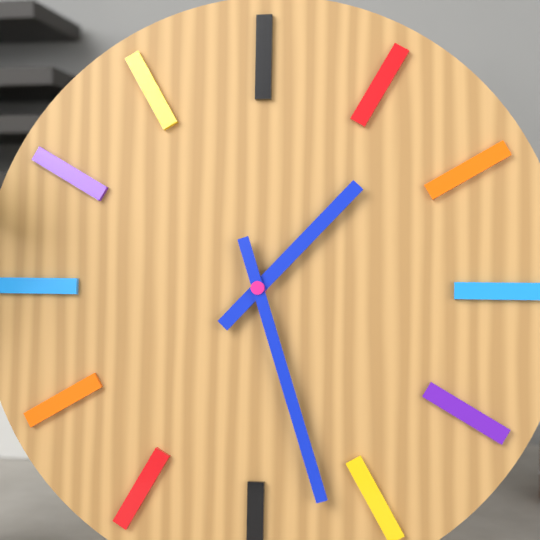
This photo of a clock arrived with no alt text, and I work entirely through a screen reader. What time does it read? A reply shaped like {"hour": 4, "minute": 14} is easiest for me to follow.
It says {"hour": 1, "minute": 27}
